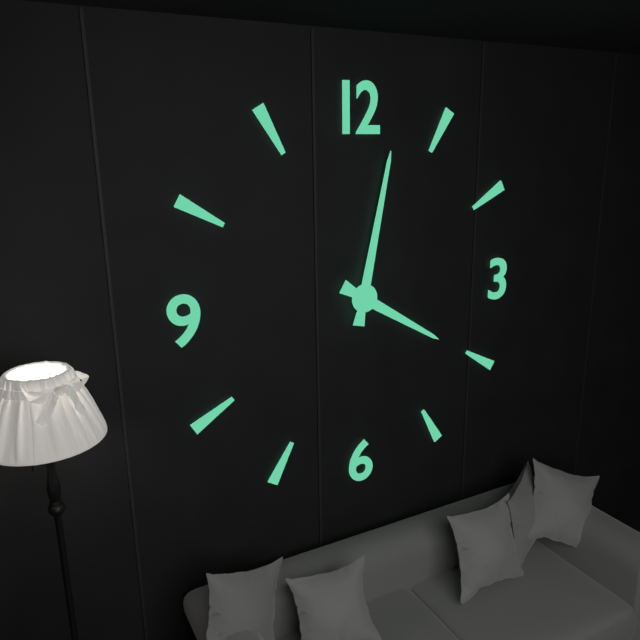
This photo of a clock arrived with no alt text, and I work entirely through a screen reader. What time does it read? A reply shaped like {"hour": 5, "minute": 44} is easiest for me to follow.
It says {"hour": 4, "minute": 2}
